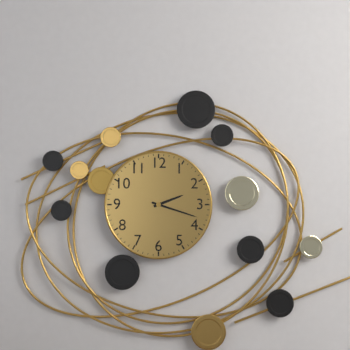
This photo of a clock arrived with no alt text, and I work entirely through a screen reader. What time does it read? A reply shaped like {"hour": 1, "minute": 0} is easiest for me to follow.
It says {"hour": 2, "minute": 18}
